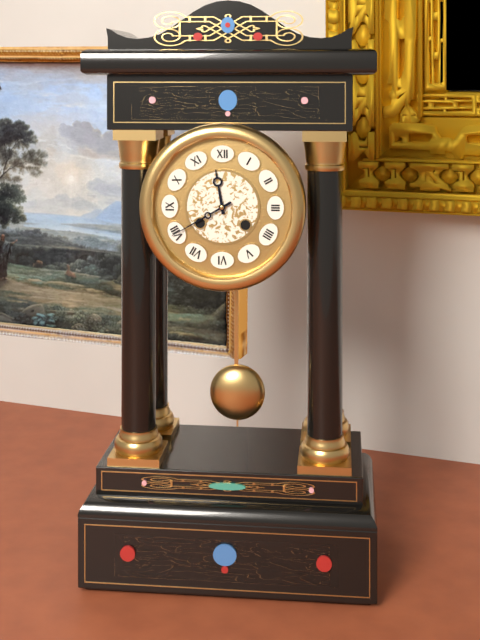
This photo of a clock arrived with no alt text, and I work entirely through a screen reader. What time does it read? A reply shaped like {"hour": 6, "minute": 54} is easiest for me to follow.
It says {"hour": 11, "minute": 40}
